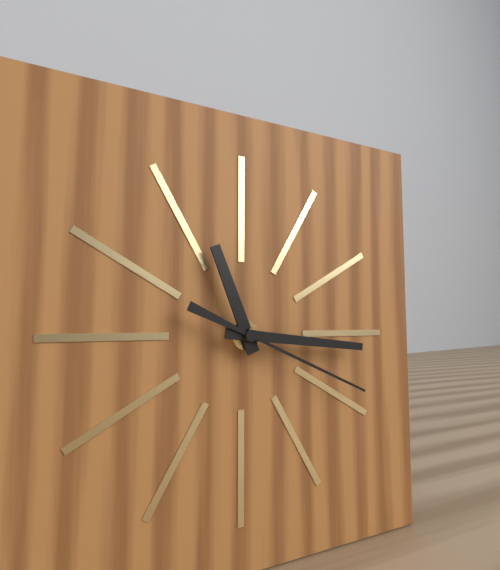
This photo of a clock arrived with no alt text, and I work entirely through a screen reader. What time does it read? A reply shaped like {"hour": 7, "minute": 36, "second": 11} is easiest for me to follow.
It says {"hour": 11, "minute": 16, "second": 19}
